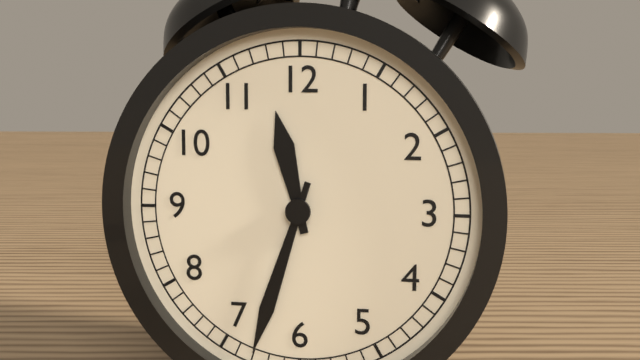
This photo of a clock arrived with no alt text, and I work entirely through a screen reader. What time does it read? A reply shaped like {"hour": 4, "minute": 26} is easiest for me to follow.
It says {"hour": 11, "minute": 33}
